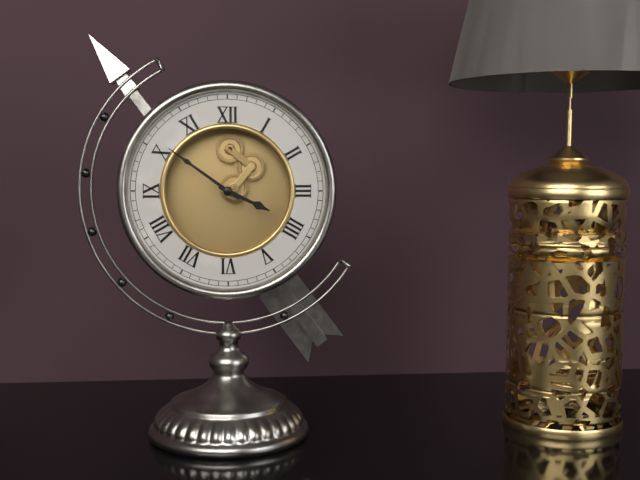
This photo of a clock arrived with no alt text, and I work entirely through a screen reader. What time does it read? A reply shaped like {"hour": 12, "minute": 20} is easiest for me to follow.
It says {"hour": 3, "minute": 51}
